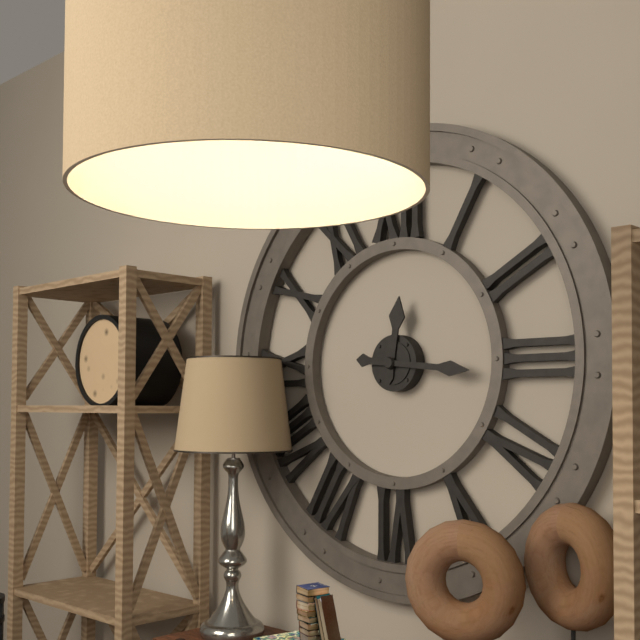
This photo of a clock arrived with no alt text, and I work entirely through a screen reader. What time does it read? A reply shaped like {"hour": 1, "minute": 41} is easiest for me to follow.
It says {"hour": 12, "minute": 16}
